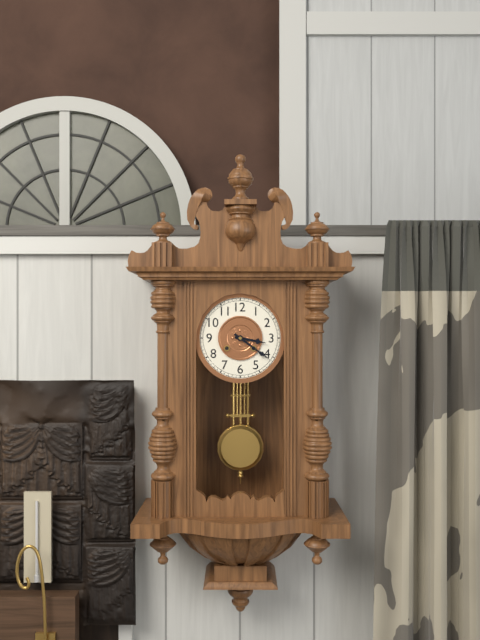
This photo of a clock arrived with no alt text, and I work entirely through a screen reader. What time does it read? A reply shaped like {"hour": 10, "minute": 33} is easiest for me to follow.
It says {"hour": 3, "minute": 21}
